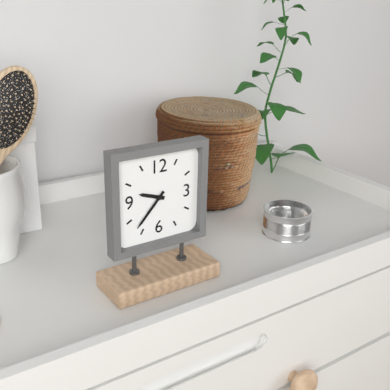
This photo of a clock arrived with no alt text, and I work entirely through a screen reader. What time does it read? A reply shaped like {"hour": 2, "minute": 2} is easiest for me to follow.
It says {"hour": 9, "minute": 37}
